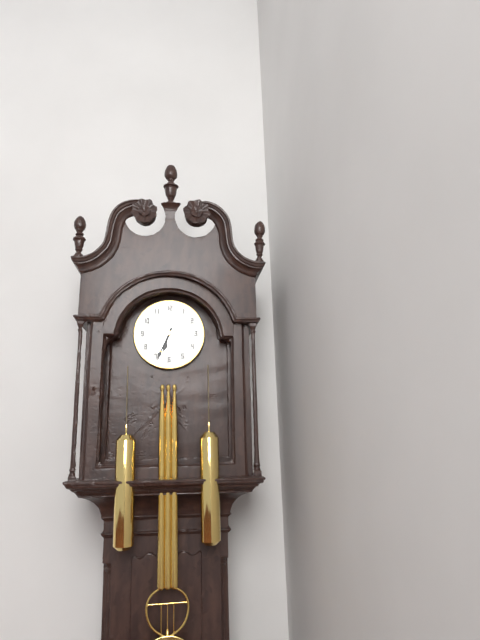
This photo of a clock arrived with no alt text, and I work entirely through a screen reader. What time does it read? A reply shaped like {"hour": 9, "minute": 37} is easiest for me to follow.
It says {"hour": 6, "minute": 34}
